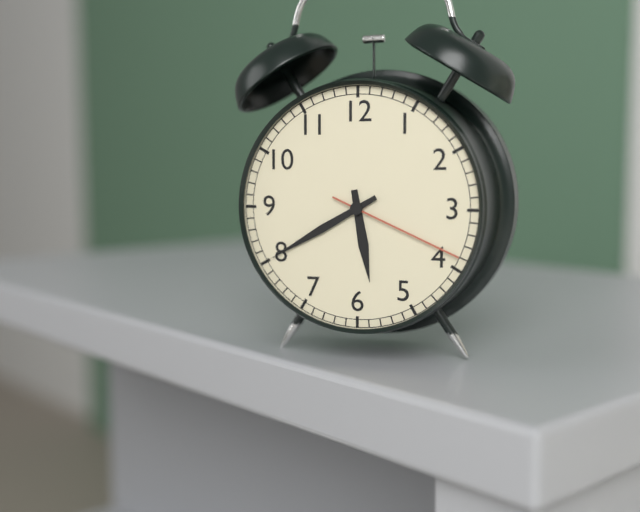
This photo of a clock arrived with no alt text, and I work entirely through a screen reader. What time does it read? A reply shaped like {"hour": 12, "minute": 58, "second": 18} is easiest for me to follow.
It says {"hour": 5, "minute": 40, "second": 19}
